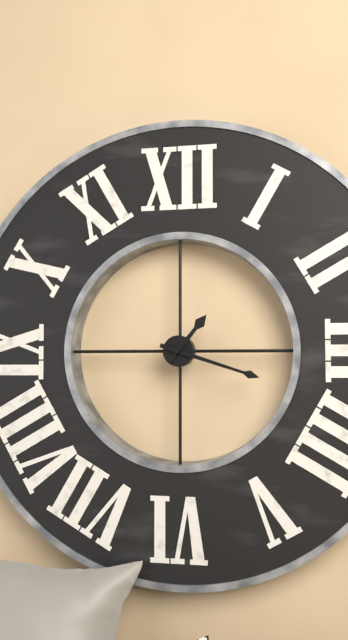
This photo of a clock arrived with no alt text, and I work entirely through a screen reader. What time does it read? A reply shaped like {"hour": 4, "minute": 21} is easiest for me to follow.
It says {"hour": 1, "minute": 18}
